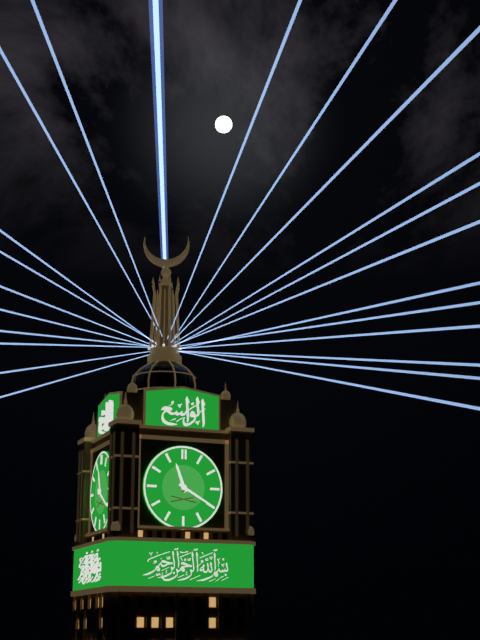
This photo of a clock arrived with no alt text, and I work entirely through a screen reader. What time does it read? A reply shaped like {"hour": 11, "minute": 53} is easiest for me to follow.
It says {"hour": 11, "minute": 20}
